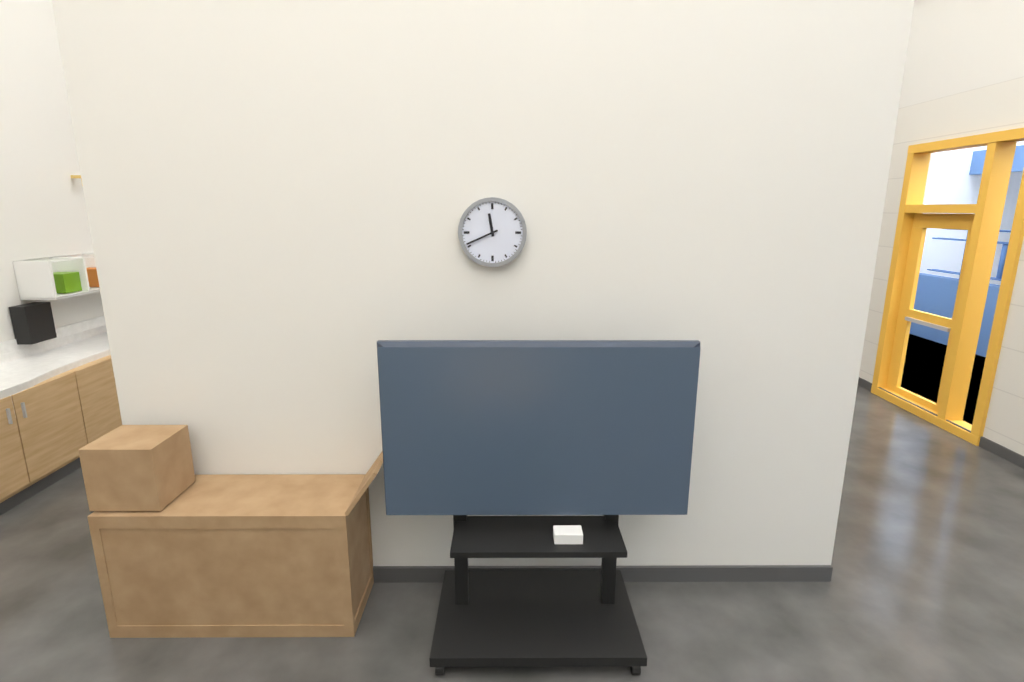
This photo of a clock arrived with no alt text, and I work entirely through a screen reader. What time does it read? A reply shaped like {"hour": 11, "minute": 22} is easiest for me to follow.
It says {"hour": 11, "minute": 41}
